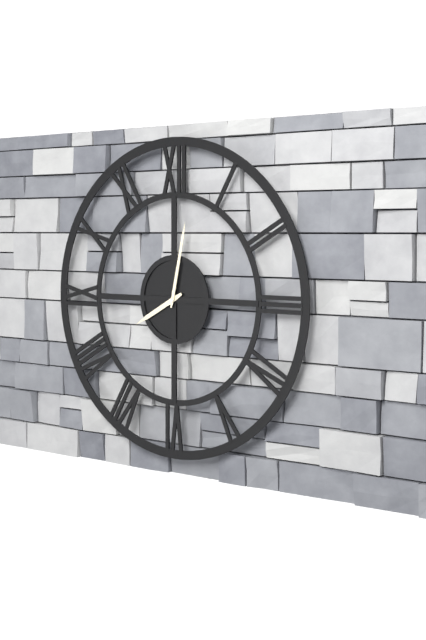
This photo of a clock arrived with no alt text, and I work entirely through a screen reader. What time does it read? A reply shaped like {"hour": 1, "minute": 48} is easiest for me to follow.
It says {"hour": 8, "minute": 2}
